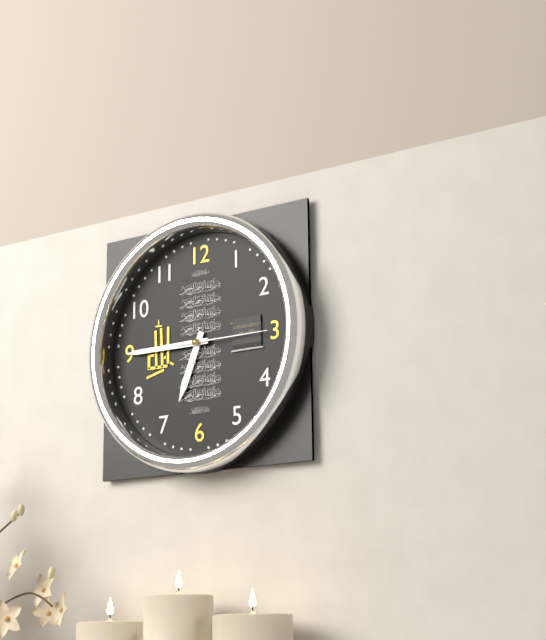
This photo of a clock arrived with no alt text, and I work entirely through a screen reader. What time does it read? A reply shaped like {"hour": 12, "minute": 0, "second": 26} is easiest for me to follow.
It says {"hour": 6, "minute": 45, "second": 15}
